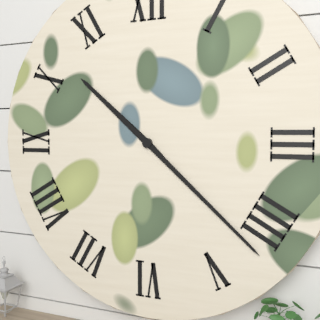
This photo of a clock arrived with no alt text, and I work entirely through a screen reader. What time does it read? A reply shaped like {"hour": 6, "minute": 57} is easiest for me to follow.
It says {"hour": 10, "minute": 22}
